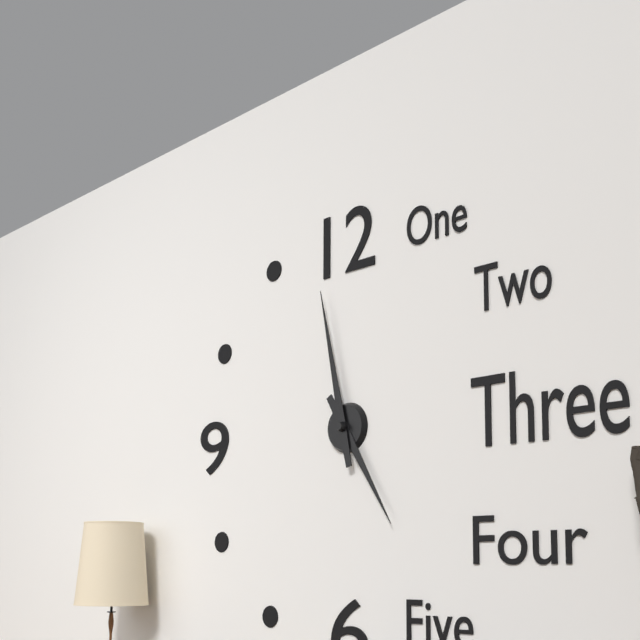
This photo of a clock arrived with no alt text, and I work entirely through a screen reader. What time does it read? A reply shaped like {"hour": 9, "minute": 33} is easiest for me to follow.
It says {"hour": 4, "minute": 58}
